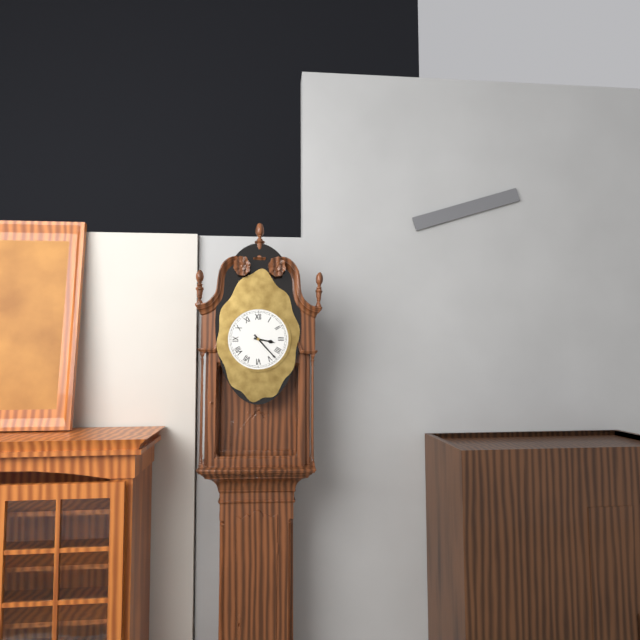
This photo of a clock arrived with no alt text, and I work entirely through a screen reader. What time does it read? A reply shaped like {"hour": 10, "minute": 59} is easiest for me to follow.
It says {"hour": 3, "minute": 23}
